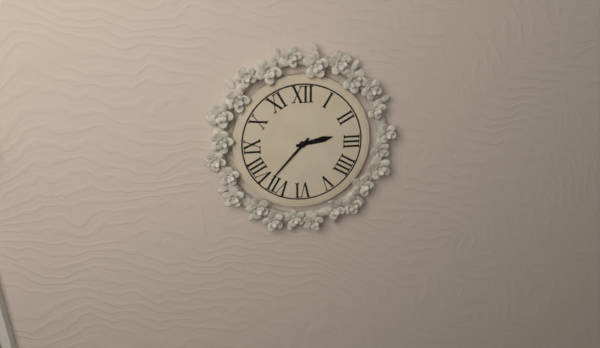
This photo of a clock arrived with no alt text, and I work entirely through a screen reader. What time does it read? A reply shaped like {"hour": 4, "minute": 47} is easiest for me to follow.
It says {"hour": 2, "minute": 37}
